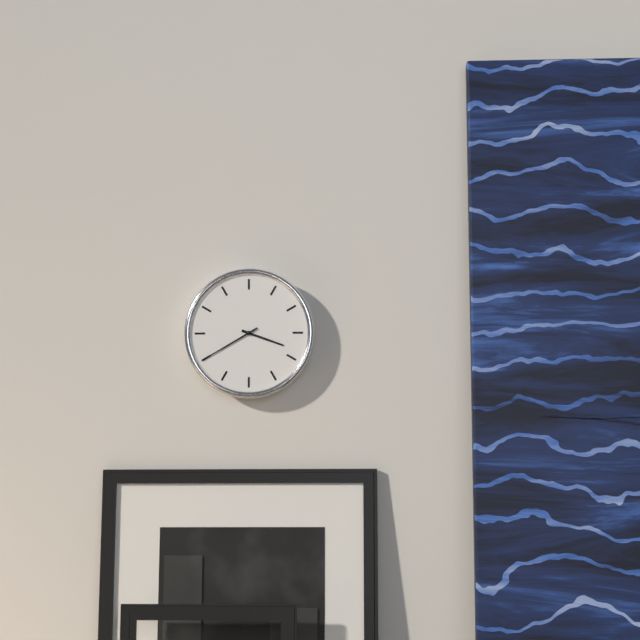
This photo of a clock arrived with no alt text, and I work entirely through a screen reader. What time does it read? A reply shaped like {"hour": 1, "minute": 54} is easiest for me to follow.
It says {"hour": 3, "minute": 40}
